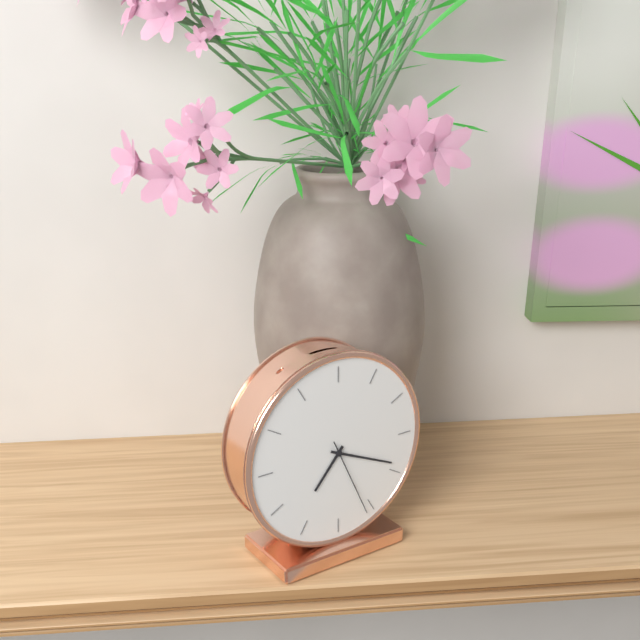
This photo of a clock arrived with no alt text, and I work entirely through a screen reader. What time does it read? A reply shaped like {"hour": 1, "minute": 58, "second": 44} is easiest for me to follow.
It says {"hour": 7, "minute": 19, "second": 26}
